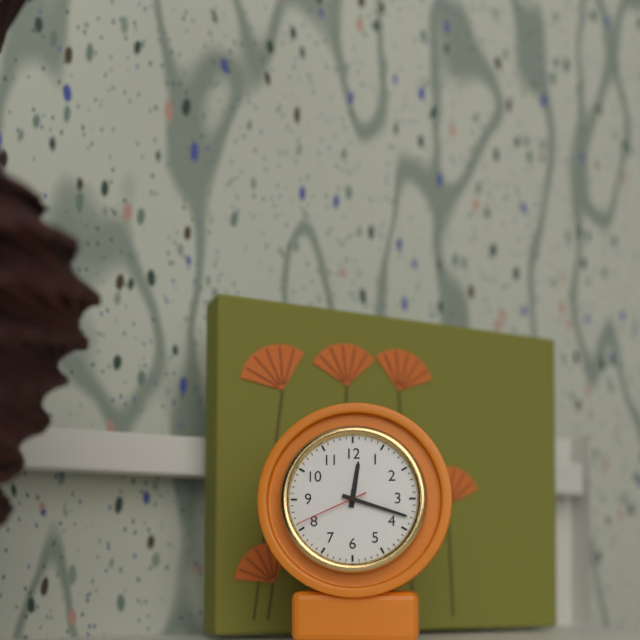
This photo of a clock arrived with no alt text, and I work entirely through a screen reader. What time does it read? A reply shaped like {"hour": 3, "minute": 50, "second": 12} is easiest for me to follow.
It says {"hour": 12, "minute": 18, "second": 41}
